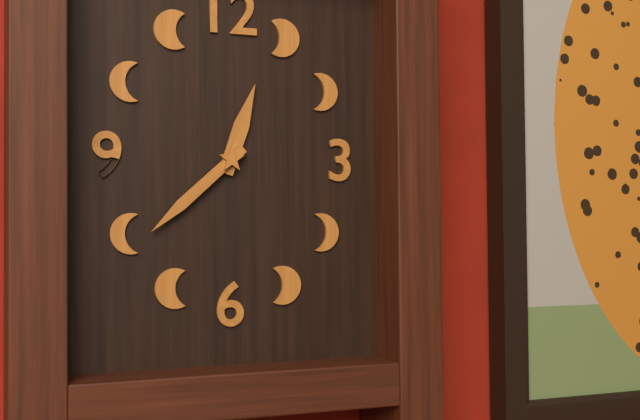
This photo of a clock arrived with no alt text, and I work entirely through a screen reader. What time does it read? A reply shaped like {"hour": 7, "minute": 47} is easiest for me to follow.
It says {"hour": 12, "minute": 38}
